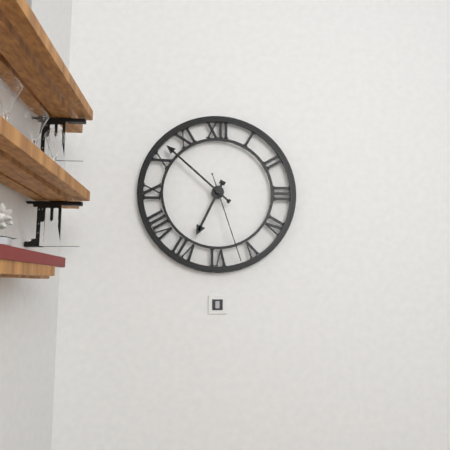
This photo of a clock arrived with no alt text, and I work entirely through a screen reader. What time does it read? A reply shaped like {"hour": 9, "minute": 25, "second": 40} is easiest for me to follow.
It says {"hour": 6, "minute": 52, "second": 27}
